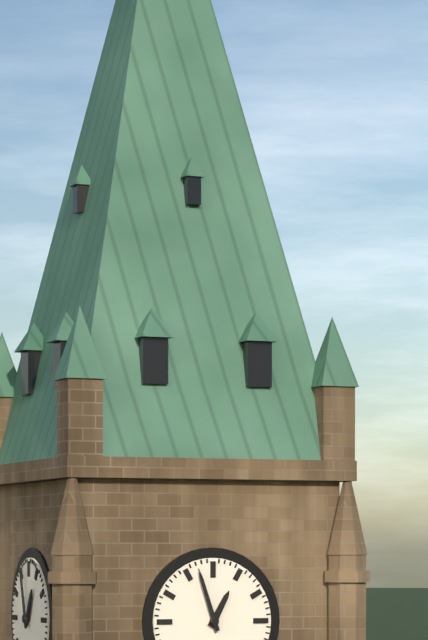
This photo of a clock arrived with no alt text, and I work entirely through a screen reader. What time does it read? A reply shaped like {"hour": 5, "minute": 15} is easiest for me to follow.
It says {"hour": 12, "minute": 57}
